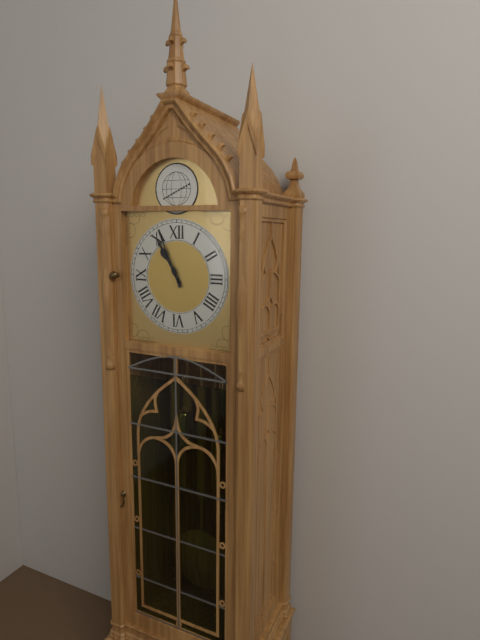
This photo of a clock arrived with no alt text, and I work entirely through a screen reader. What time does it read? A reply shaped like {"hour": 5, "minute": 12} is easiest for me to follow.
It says {"hour": 10, "minute": 56}
